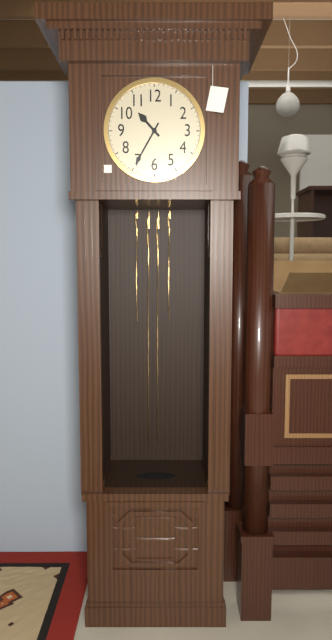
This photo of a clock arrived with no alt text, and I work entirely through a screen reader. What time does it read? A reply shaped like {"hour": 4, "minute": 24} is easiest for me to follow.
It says {"hour": 10, "minute": 35}
